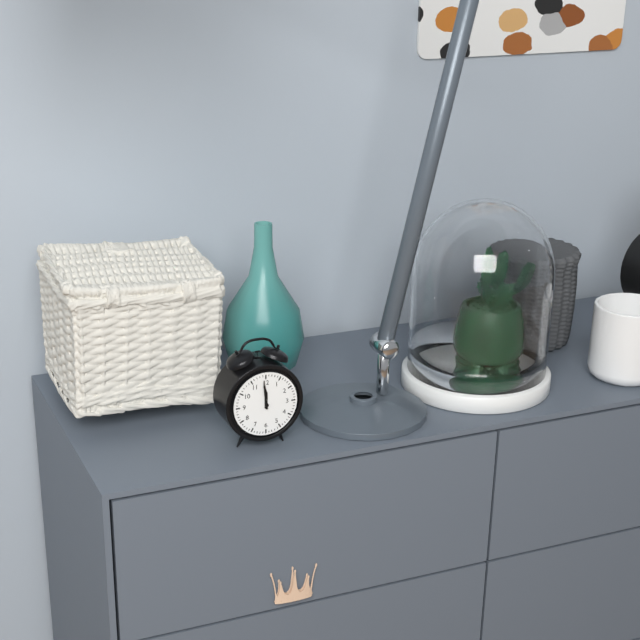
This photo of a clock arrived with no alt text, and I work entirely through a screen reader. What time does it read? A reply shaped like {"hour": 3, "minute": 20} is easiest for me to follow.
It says {"hour": 11, "minute": 59}
